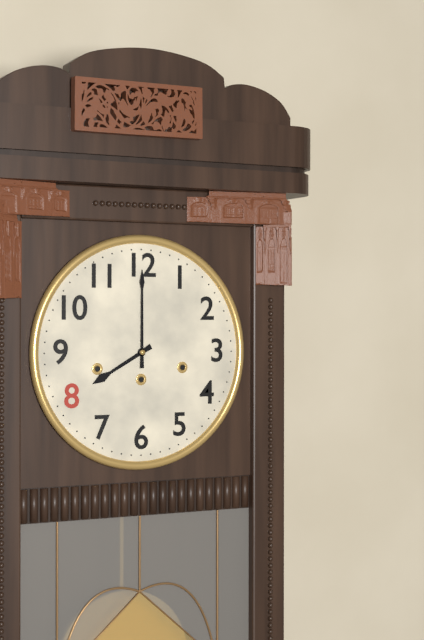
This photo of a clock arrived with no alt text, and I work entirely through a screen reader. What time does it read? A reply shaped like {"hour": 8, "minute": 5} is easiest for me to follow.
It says {"hour": 8, "minute": 0}
